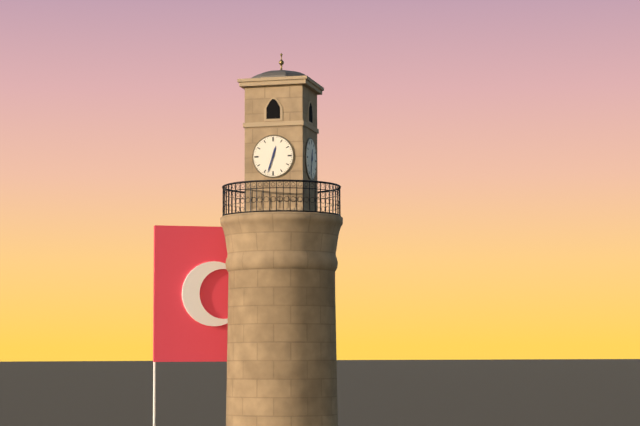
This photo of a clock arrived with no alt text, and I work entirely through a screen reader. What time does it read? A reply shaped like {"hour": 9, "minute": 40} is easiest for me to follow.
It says {"hour": 12, "minute": 33}
